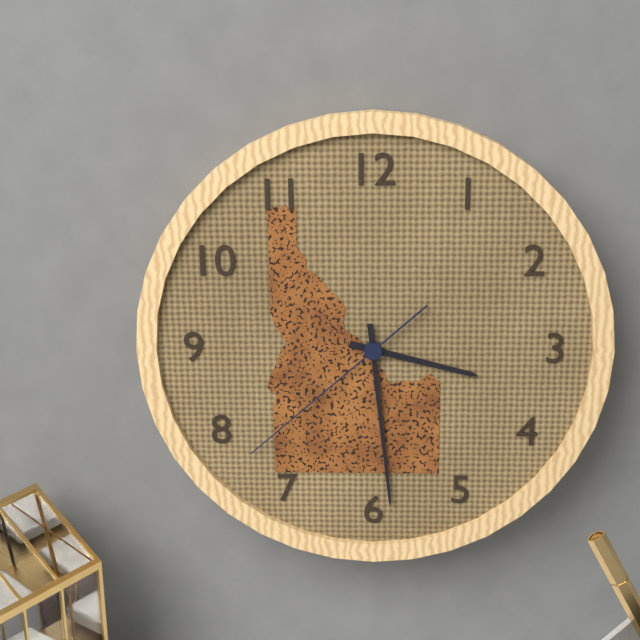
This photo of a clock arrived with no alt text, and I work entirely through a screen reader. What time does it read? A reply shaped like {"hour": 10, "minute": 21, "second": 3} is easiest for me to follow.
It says {"hour": 3, "minute": 29, "second": 38}
